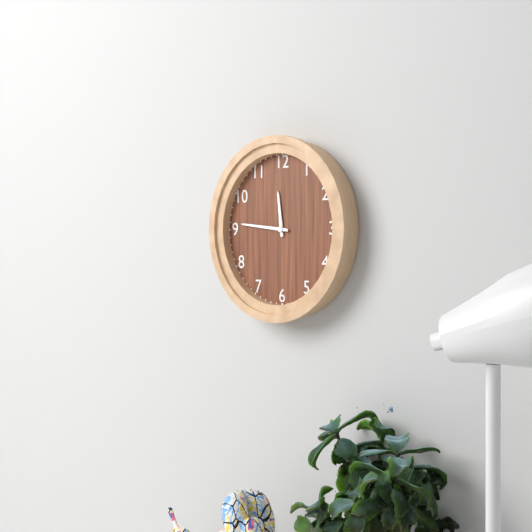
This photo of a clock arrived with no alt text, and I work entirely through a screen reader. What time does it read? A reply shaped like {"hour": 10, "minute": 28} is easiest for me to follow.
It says {"hour": 11, "minute": 46}
